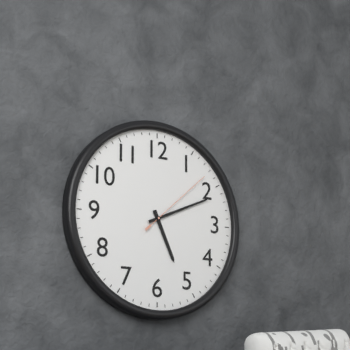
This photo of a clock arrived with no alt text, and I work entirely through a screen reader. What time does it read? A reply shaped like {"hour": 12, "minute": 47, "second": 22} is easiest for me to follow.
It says {"hour": 5, "minute": 11, "second": 8}
